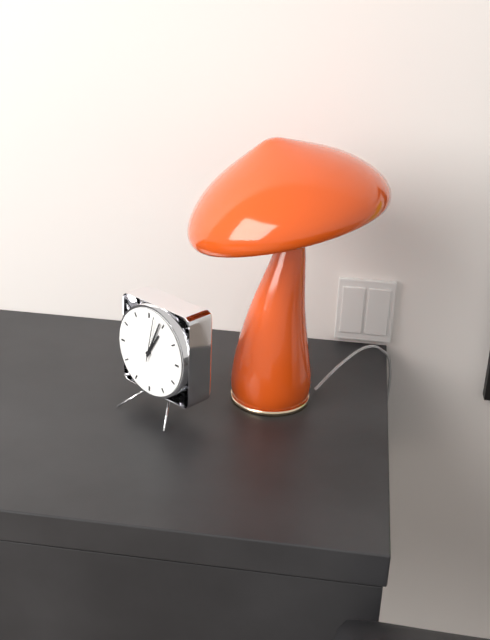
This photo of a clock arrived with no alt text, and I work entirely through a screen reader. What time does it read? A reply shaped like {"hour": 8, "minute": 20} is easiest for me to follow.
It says {"hour": 1, "minute": 4}
